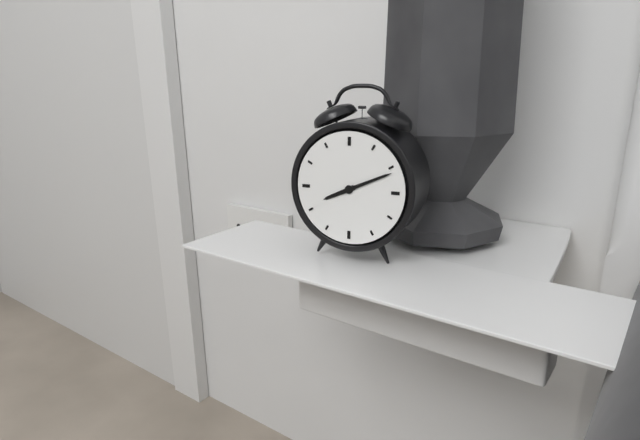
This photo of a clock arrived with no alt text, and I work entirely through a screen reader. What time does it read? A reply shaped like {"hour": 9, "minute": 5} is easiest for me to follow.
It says {"hour": 8, "minute": 11}
